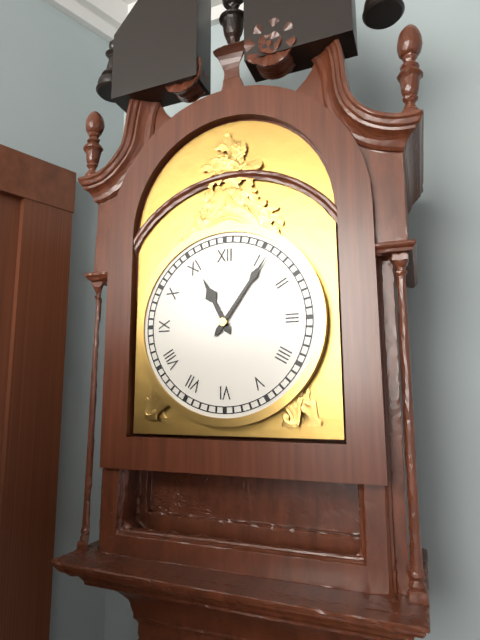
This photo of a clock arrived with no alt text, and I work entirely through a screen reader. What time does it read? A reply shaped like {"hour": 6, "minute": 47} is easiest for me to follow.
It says {"hour": 11, "minute": 6}
